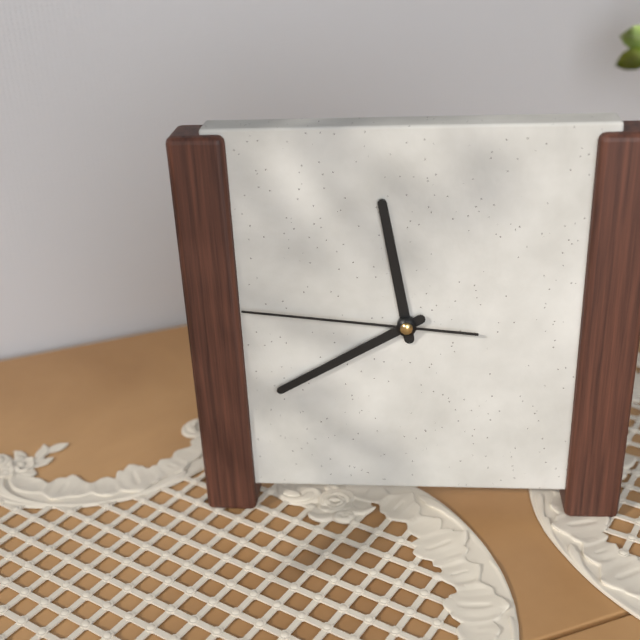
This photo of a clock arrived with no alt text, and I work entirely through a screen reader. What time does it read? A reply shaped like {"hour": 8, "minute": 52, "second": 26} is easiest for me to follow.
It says {"hour": 11, "minute": 40, "second": 46}
